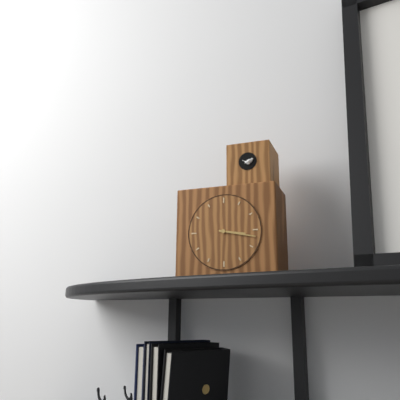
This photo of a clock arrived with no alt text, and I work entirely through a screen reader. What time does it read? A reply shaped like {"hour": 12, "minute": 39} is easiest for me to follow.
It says {"hour": 3, "minute": 17}
